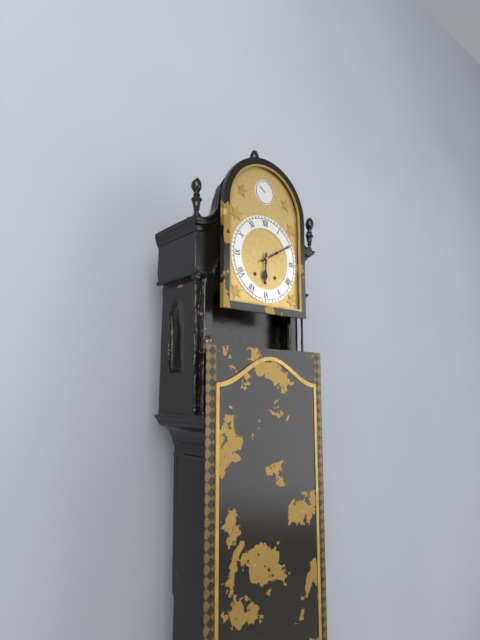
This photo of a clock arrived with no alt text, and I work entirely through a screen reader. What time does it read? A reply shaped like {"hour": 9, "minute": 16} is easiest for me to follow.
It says {"hour": 6, "minute": 10}
